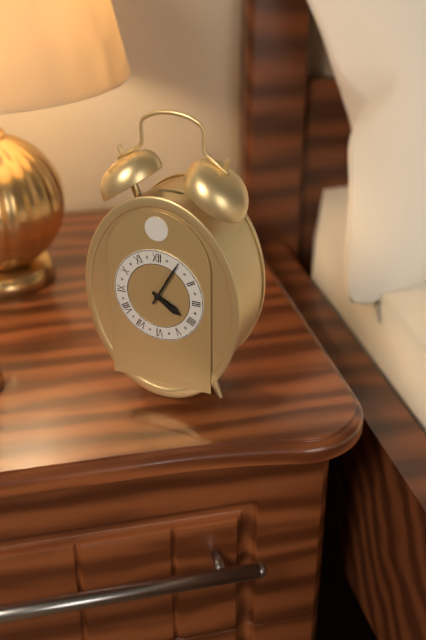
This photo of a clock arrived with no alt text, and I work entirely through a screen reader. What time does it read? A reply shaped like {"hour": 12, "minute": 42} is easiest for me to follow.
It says {"hour": 4, "minute": 5}
